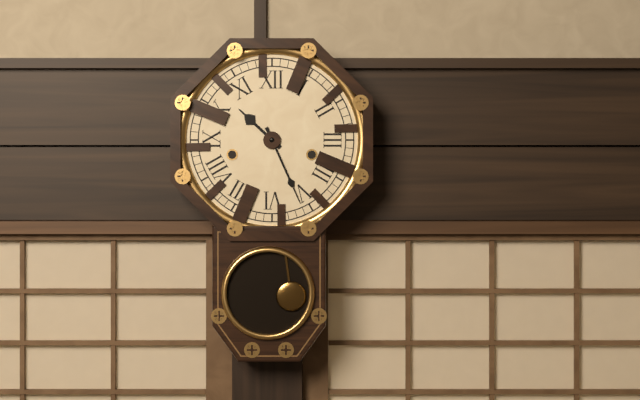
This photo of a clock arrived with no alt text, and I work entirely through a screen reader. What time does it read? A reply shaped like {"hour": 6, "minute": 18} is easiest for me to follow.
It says {"hour": 10, "minute": 26}
